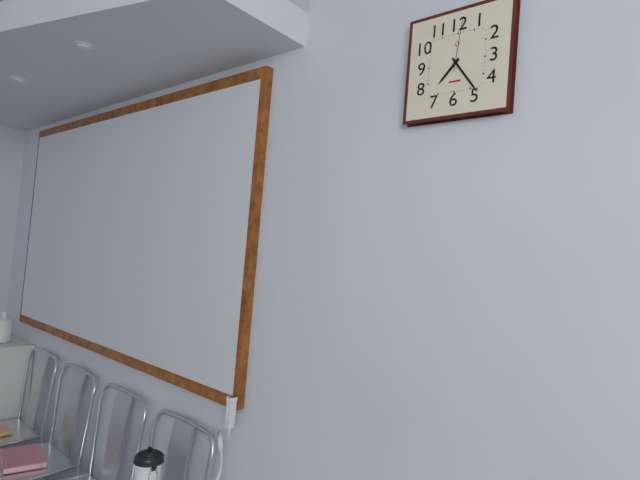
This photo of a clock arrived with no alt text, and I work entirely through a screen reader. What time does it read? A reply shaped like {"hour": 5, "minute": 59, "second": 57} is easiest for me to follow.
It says {"hour": 7, "minute": 24, "second": 1}
